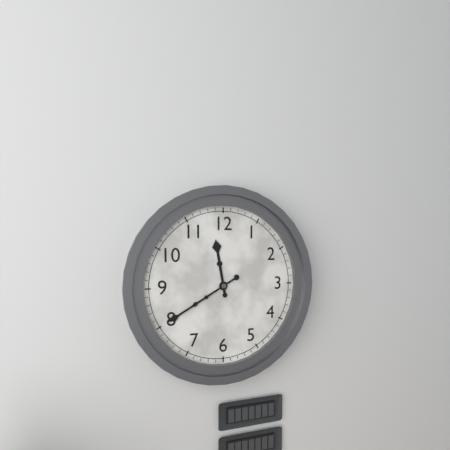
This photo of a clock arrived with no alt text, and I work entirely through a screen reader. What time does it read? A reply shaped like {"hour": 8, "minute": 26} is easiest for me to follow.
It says {"hour": 11, "minute": 40}
